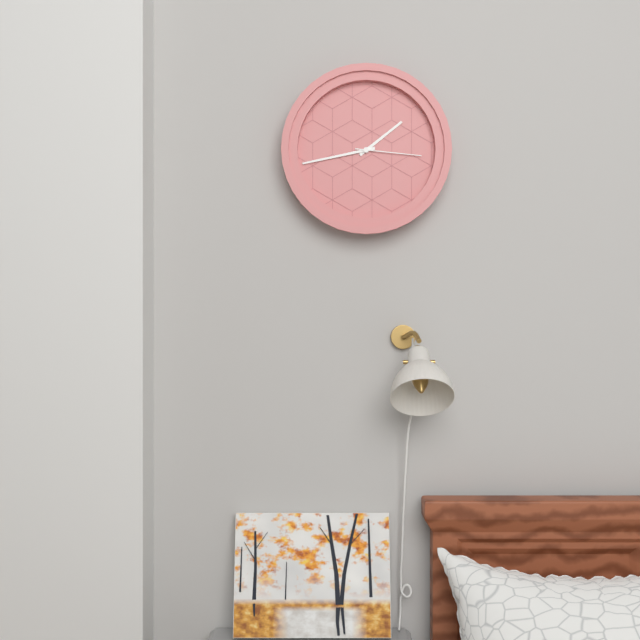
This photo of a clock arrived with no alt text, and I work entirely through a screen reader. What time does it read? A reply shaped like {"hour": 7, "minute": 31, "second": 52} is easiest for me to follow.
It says {"hour": 1, "minute": 43, "second": 16}
